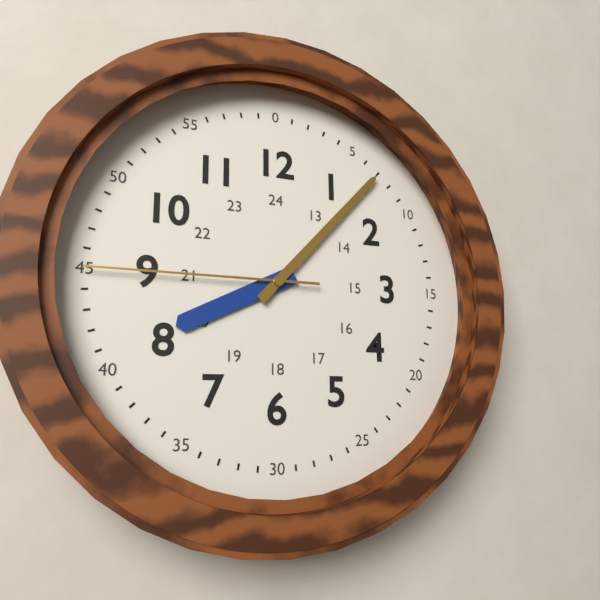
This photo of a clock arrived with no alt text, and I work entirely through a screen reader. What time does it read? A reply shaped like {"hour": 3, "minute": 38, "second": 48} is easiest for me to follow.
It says {"hour": 8, "minute": 7, "second": 45}
